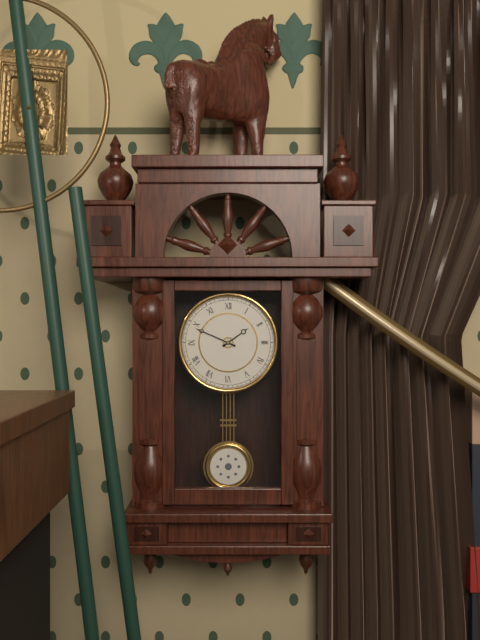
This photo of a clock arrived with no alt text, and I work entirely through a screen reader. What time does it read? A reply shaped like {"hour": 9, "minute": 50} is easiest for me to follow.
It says {"hour": 1, "minute": 49}
